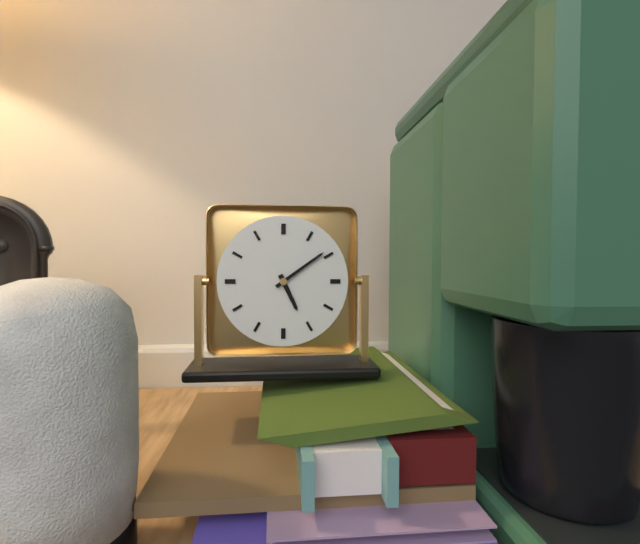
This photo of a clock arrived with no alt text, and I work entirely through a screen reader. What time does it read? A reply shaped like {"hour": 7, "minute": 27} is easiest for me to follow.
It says {"hour": 5, "minute": 9}
